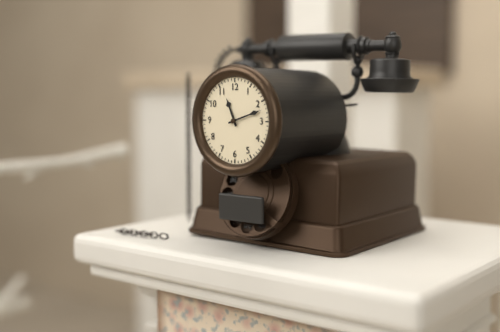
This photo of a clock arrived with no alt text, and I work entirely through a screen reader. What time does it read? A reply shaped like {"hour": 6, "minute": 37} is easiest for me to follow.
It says {"hour": 11, "minute": 12}
